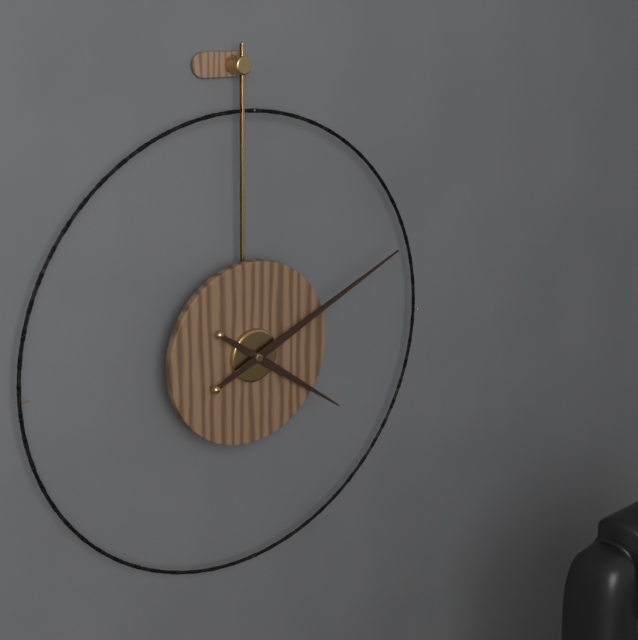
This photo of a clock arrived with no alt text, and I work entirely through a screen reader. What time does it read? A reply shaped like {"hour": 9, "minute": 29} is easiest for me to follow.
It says {"hour": 4, "minute": 11}
